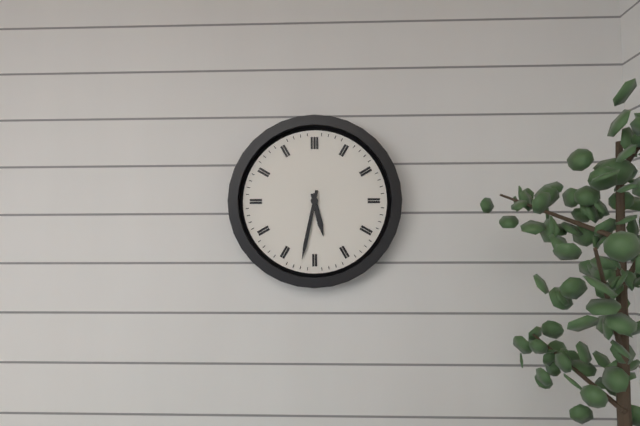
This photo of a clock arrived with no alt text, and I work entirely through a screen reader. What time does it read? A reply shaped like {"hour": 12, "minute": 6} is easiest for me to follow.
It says {"hour": 5, "minute": 32}
